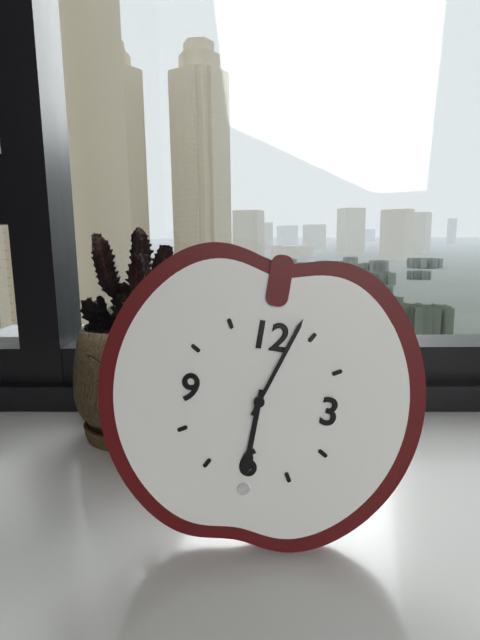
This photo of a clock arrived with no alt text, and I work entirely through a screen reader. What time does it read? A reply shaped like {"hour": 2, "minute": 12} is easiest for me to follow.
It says {"hour": 6, "minute": 3}
